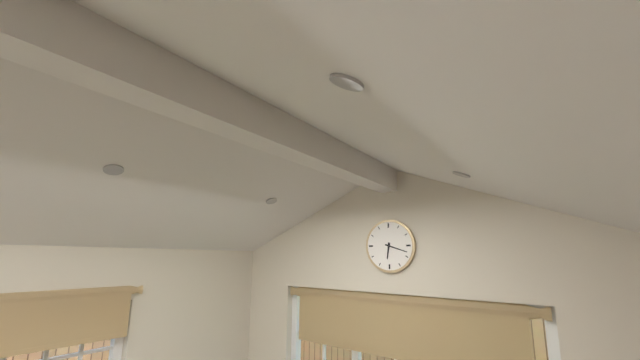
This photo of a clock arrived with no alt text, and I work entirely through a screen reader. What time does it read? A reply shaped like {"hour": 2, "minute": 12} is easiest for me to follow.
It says {"hour": 6, "minute": 18}
